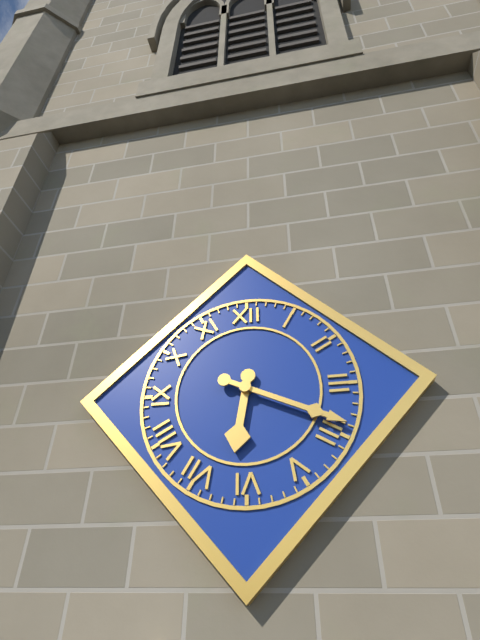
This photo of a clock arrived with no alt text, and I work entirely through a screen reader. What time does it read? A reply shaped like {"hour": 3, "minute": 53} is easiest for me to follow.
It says {"hour": 6, "minute": 19}
